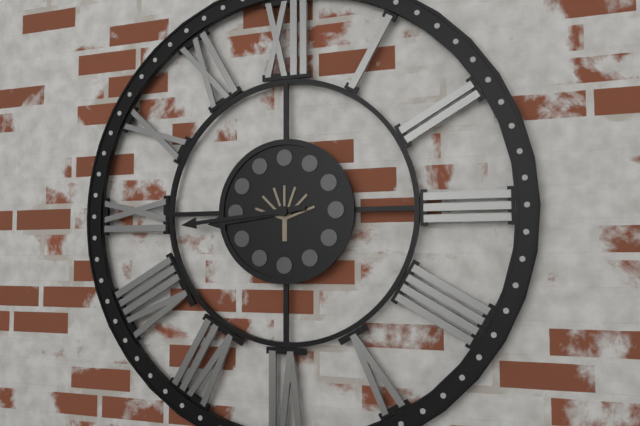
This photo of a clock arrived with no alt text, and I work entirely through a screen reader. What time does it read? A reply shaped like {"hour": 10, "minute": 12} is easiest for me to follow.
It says {"hour": 8, "minute": 44}
